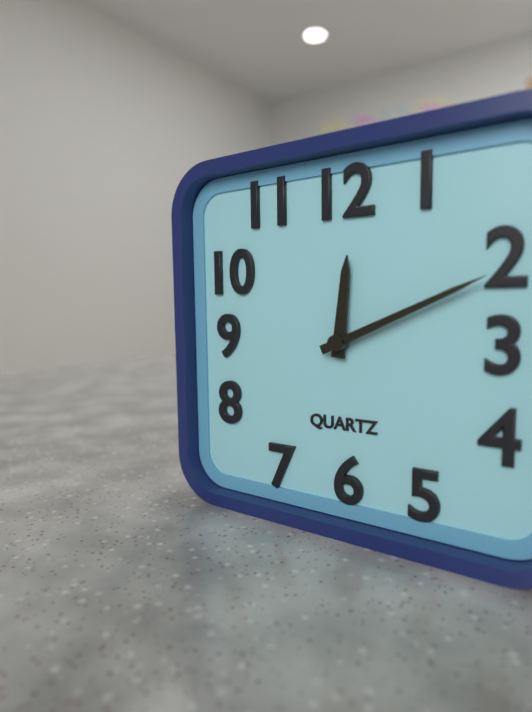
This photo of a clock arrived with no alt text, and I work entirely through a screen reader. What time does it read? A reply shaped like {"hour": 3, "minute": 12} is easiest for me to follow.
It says {"hour": 12, "minute": 11}
